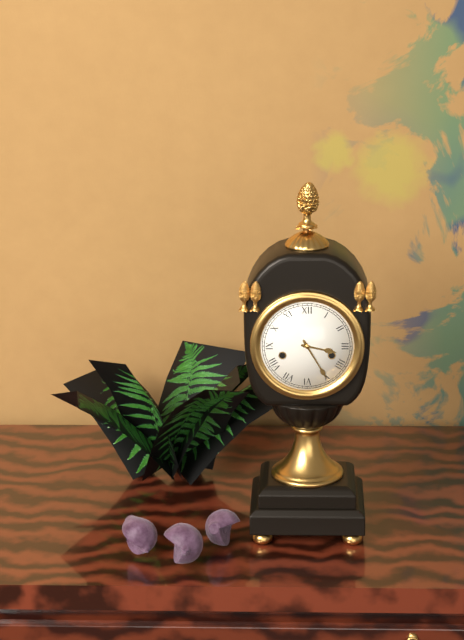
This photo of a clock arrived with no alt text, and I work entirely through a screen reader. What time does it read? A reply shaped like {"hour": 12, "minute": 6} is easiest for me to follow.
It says {"hour": 3, "minute": 25}
